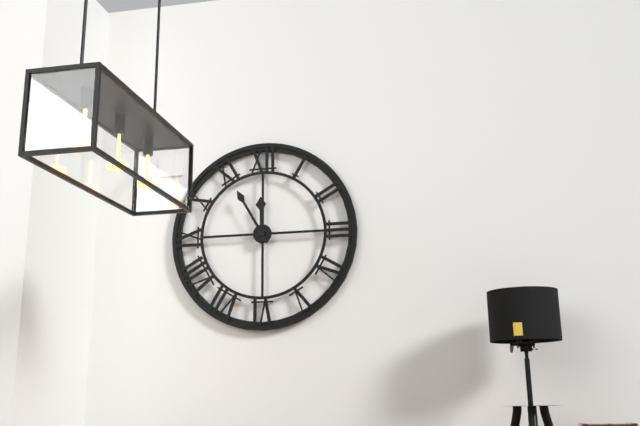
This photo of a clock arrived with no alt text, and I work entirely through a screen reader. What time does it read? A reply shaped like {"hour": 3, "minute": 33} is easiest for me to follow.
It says {"hour": 11, "minute": 55}
